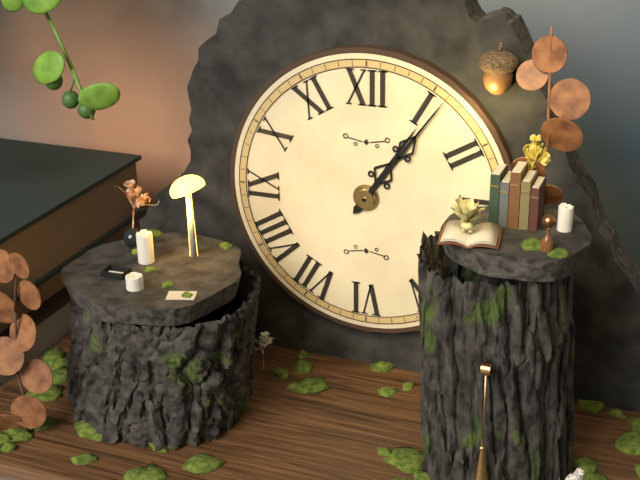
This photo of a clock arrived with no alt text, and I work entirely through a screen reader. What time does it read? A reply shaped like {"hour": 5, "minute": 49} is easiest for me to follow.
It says {"hour": 1, "minute": 6}
